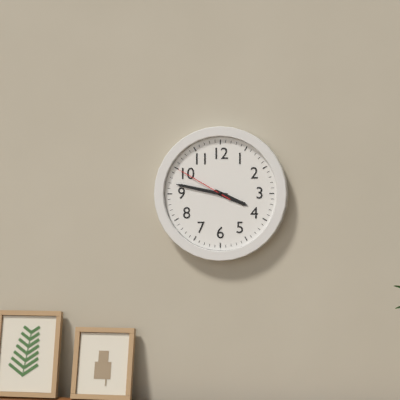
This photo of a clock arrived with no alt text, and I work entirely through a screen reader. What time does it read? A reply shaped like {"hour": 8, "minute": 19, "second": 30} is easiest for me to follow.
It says {"hour": 3, "minute": 47, "second": 50}
